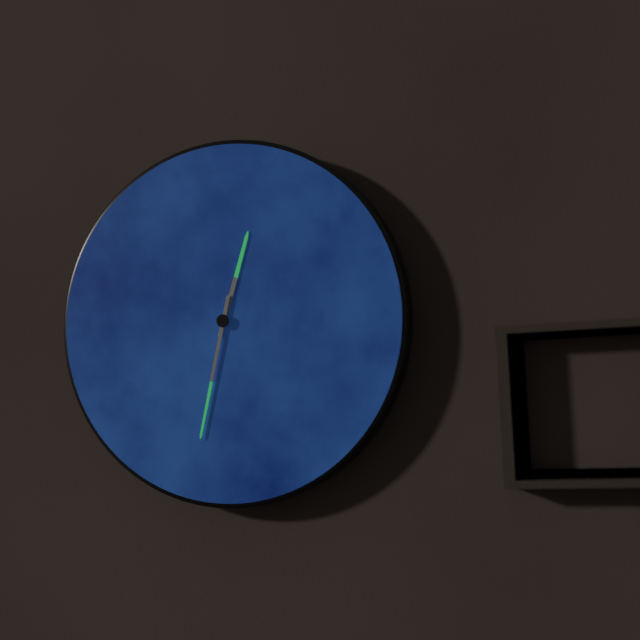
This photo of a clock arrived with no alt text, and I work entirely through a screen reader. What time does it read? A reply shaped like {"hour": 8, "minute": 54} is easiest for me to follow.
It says {"hour": 12, "minute": 32}
